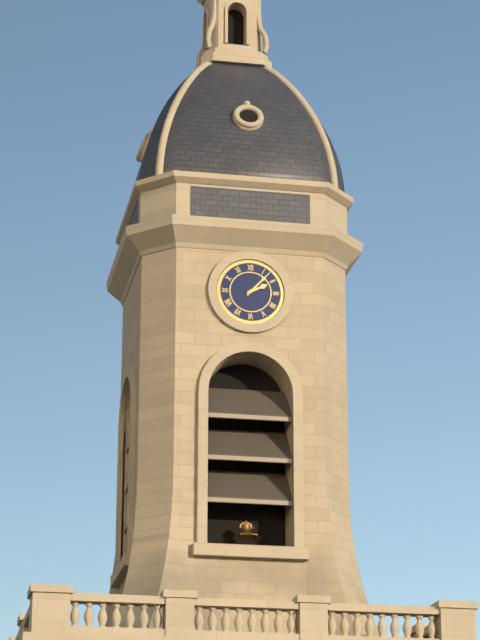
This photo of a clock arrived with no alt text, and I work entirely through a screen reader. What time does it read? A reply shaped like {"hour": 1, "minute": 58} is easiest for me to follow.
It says {"hour": 2, "minute": 7}
